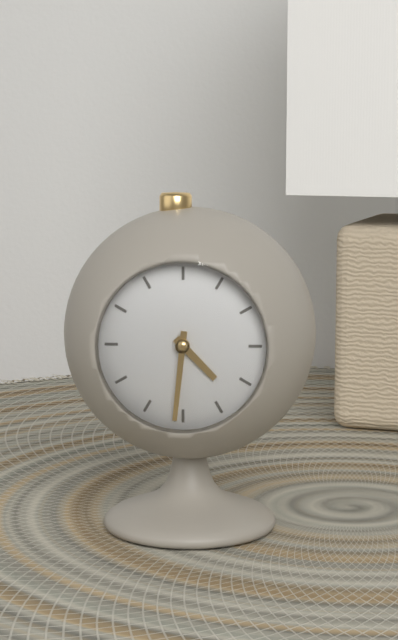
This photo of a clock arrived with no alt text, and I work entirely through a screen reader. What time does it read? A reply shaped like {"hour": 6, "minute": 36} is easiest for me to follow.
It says {"hour": 4, "minute": 31}
